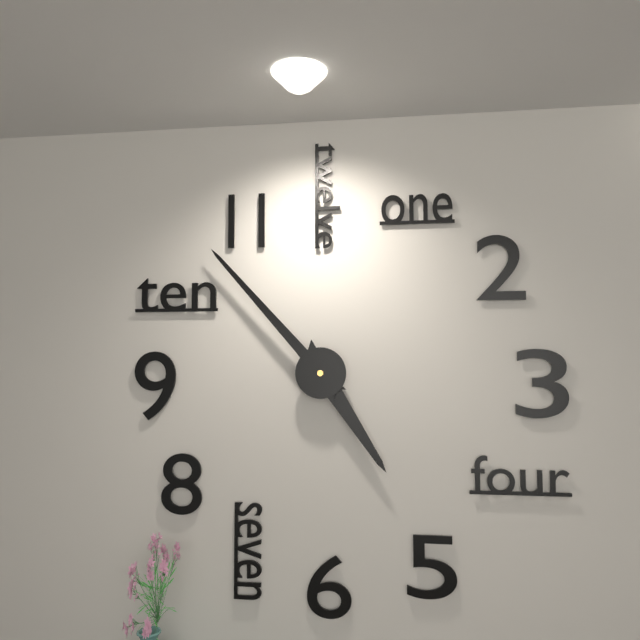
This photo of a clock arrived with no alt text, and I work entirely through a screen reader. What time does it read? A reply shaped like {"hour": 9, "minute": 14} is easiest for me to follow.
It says {"hour": 4, "minute": 53}
